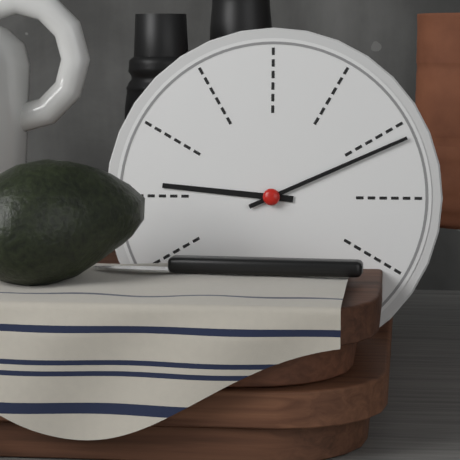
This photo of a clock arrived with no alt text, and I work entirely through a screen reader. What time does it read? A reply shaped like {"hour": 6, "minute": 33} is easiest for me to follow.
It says {"hour": 9, "minute": 11}
